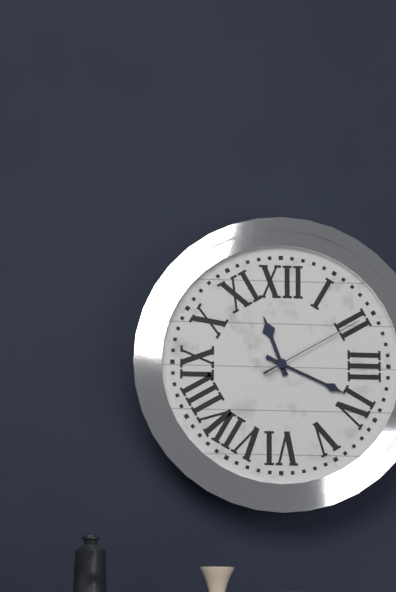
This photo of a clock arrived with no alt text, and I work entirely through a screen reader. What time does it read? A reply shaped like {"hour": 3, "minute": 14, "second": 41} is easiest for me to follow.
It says {"hour": 11, "minute": 19, "second": 10}
